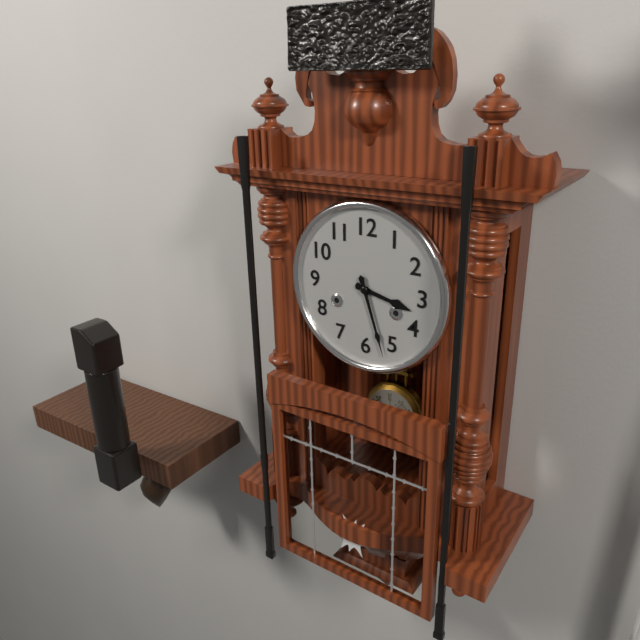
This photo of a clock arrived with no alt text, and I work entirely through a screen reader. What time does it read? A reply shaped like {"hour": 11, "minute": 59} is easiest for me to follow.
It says {"hour": 3, "minute": 27}
